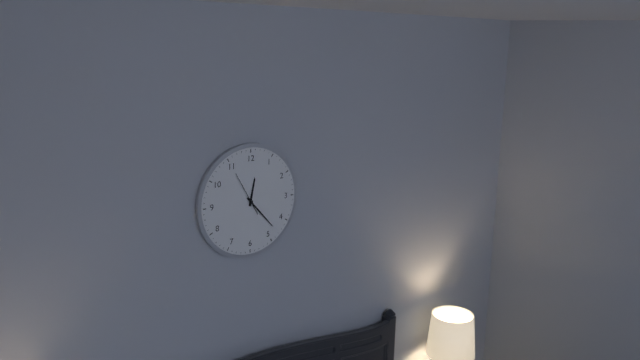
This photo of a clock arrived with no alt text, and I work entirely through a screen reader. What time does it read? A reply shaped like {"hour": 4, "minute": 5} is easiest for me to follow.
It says {"hour": 12, "minute": 23}
